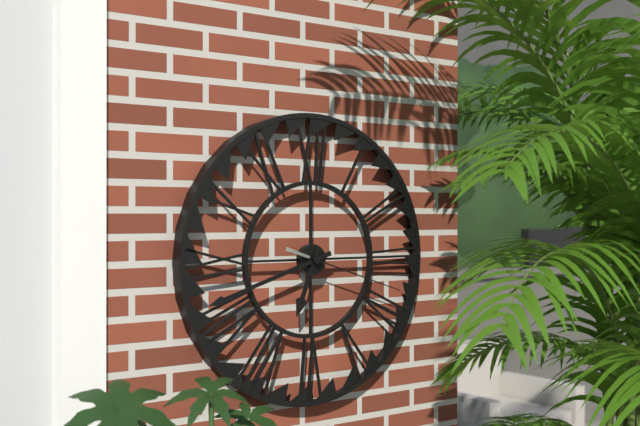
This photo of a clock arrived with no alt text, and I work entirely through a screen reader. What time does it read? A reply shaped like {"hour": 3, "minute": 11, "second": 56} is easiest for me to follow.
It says {"hour": 6, "minute": 42, "second": 18}
